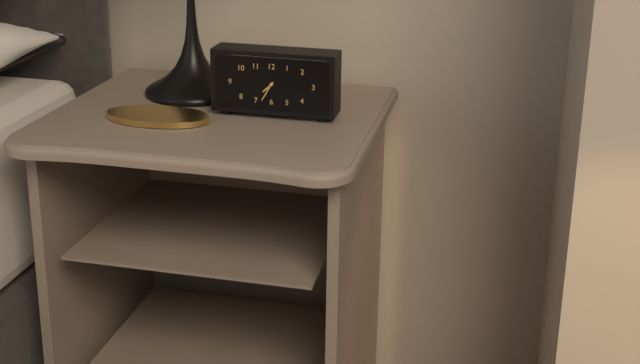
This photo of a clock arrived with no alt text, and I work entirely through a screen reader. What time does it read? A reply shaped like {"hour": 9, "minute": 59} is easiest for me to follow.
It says {"hour": 7, "minute": 35}
